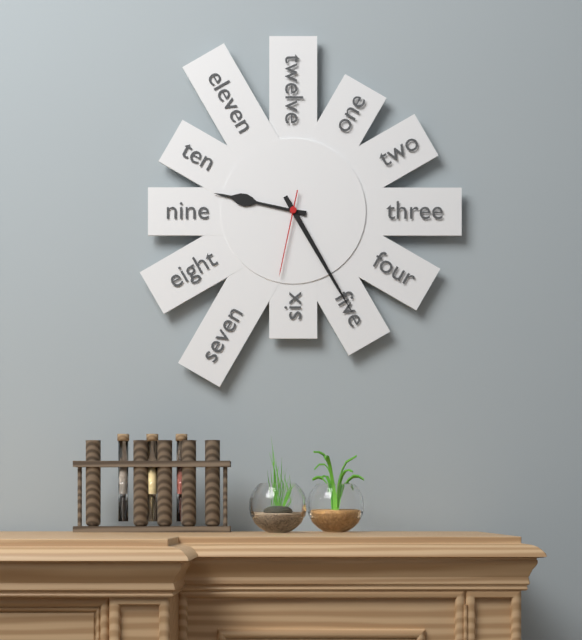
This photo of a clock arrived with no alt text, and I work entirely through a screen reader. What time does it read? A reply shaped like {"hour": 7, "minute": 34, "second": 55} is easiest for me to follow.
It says {"hour": 9, "minute": 25, "second": 32}
